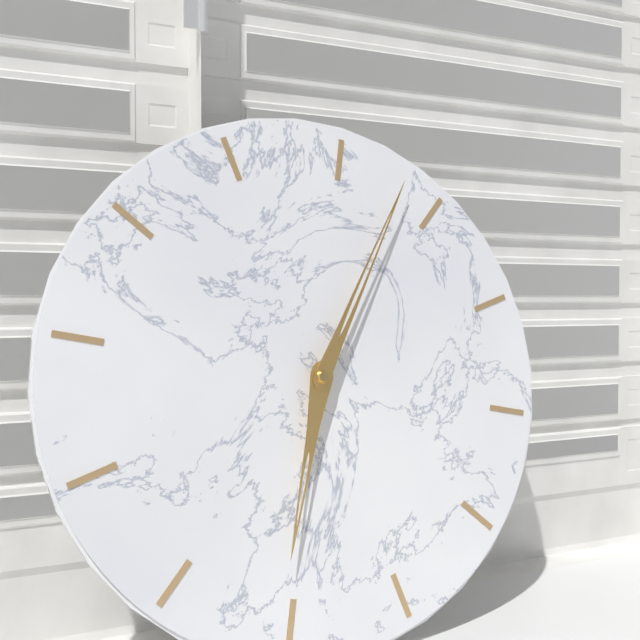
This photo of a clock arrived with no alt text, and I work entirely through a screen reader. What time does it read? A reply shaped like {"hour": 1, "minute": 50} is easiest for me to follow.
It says {"hour": 7, "minute": 8}
